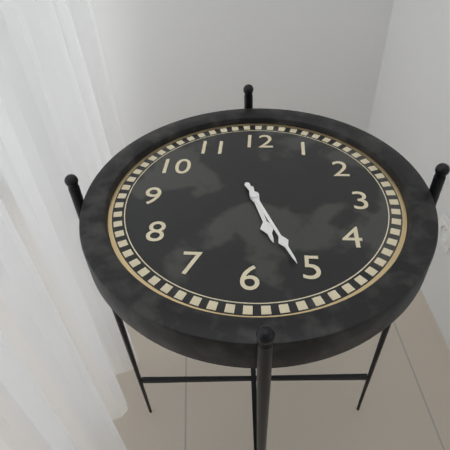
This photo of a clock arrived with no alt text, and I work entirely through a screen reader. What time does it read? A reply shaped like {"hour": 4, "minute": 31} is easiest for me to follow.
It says {"hour": 5, "minute": 26}
